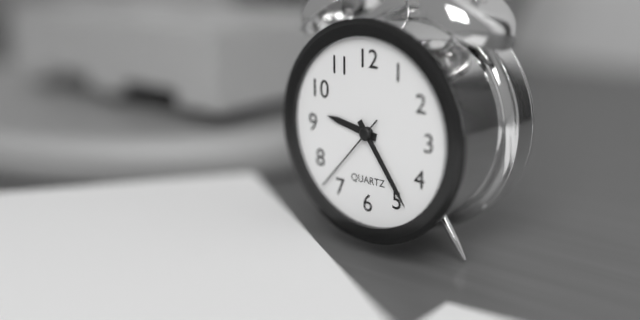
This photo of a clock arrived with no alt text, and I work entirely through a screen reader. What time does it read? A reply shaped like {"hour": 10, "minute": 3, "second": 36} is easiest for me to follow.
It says {"hour": 9, "minute": 24, "second": 37}
